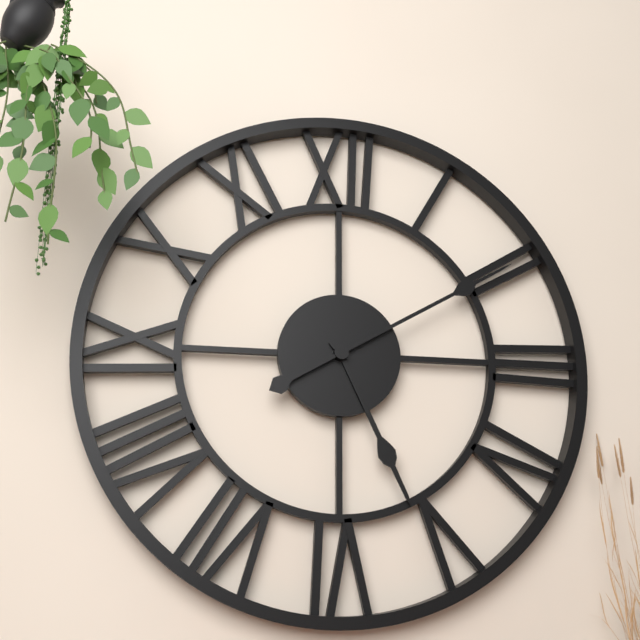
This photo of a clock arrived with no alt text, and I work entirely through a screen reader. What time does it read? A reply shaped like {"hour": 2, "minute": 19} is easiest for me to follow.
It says {"hour": 5, "minute": 10}
